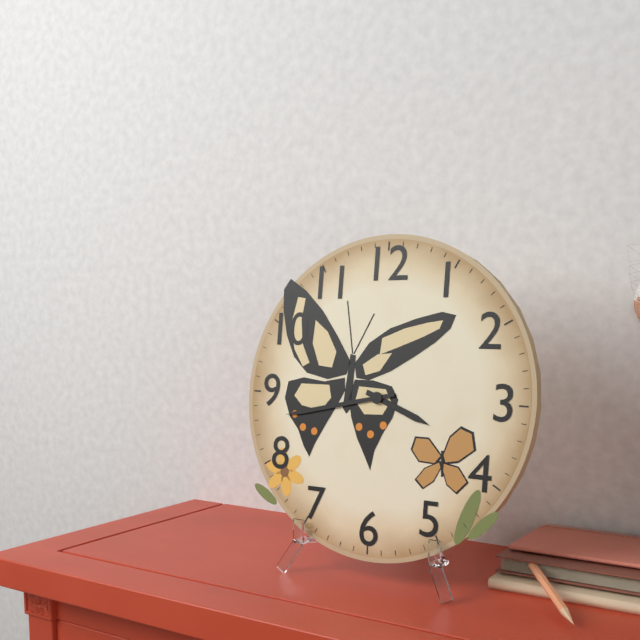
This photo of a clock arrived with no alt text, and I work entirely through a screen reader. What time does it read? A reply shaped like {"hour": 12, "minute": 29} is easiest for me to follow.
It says {"hour": 3, "minute": 43}
